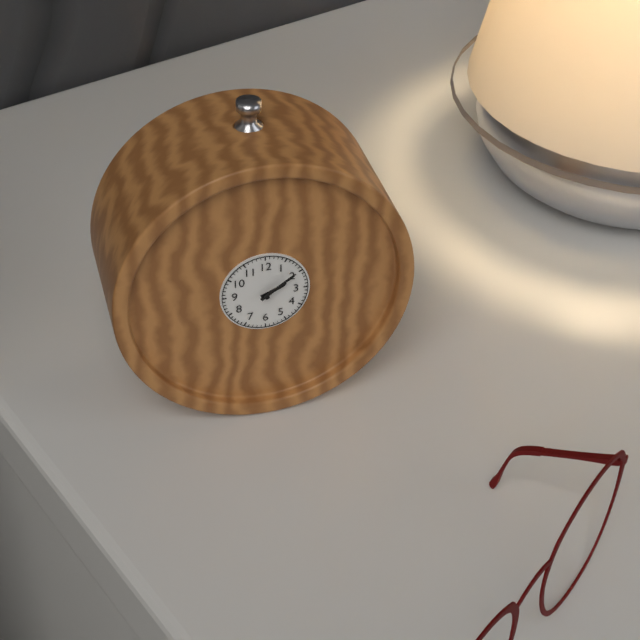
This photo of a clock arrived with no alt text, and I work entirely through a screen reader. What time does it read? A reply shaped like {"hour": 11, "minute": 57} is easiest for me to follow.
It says {"hour": 2, "minute": 9}
